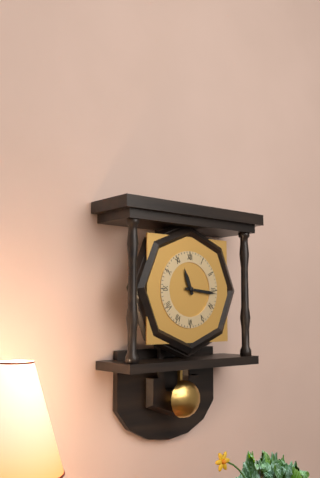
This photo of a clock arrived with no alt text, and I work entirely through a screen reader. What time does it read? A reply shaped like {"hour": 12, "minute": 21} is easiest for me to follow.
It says {"hour": 11, "minute": 16}
